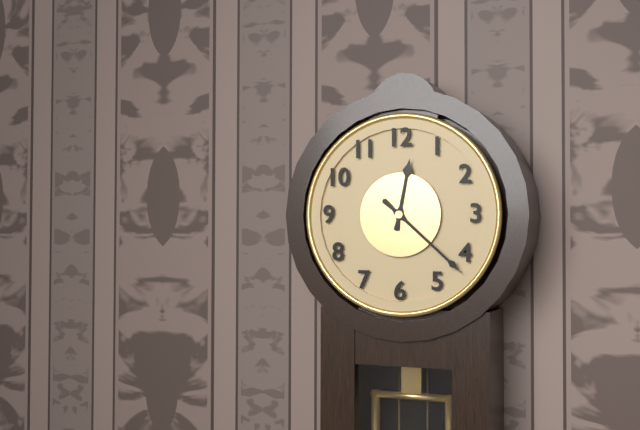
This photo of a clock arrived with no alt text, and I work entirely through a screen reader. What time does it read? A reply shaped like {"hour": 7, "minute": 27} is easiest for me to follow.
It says {"hour": 12, "minute": 22}
